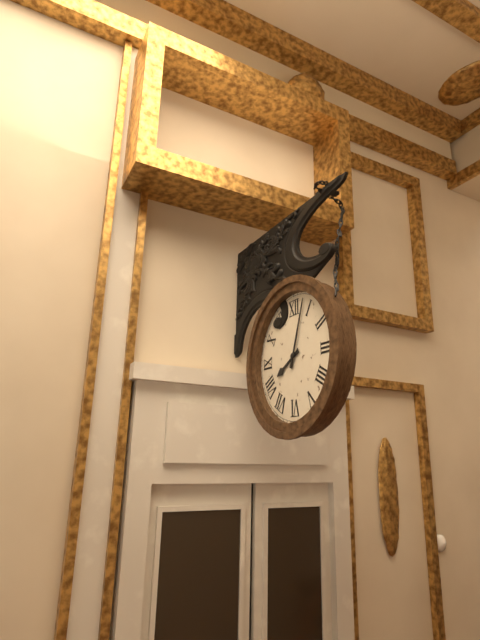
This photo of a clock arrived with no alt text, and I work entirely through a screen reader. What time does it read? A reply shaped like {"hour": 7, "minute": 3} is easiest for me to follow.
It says {"hour": 8, "minute": 3}
